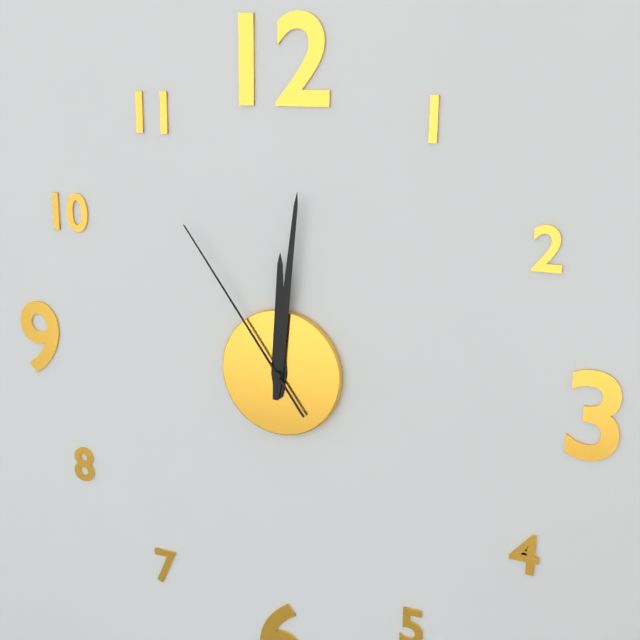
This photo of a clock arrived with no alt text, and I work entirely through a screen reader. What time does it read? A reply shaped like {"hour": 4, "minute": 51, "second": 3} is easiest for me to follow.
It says {"hour": 12, "minute": 1, "second": 54}
